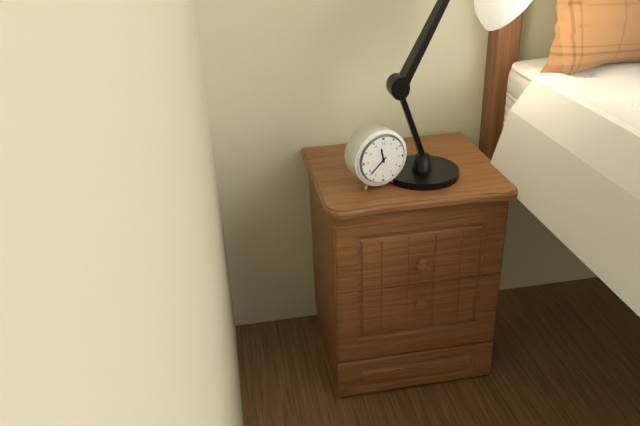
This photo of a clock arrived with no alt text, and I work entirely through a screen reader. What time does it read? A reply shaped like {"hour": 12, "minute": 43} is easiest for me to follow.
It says {"hour": 11, "minute": 38}
